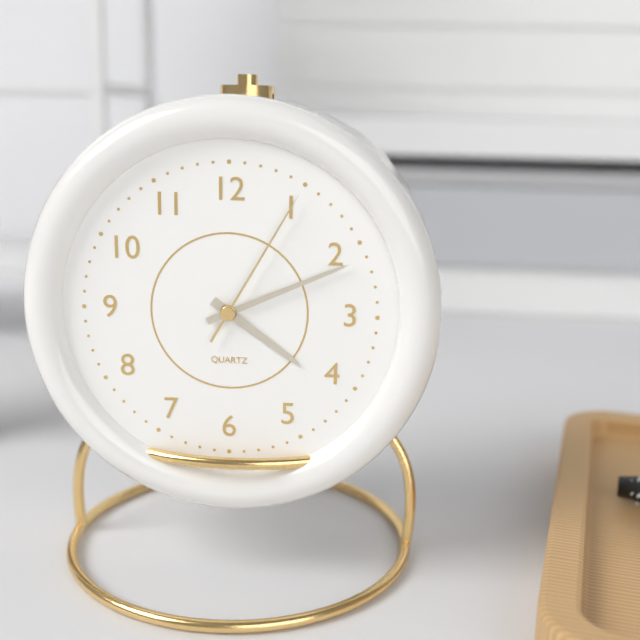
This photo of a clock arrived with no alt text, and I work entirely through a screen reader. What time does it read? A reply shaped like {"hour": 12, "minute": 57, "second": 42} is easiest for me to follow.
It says {"hour": 4, "minute": 11, "second": 5}
